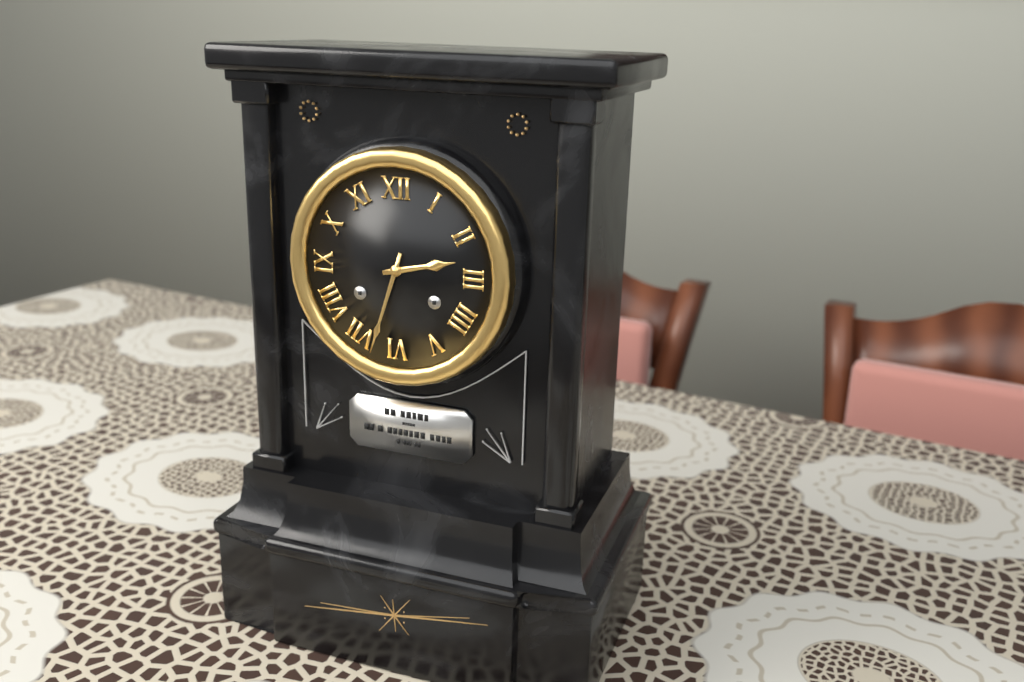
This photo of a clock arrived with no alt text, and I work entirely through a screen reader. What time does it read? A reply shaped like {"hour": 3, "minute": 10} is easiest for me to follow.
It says {"hour": 2, "minute": 33}
